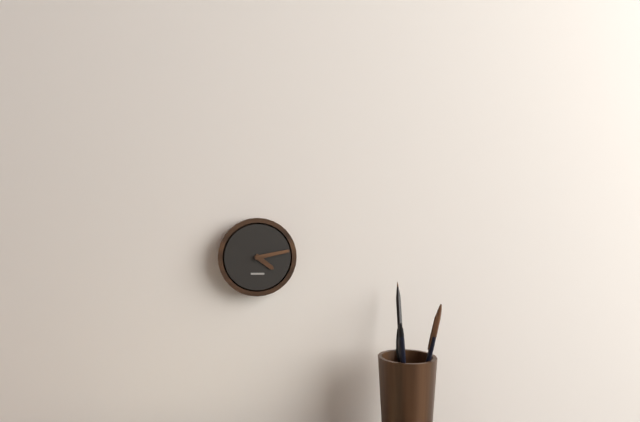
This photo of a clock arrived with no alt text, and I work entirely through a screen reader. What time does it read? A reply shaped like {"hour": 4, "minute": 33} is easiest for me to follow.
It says {"hour": 4, "minute": 13}
